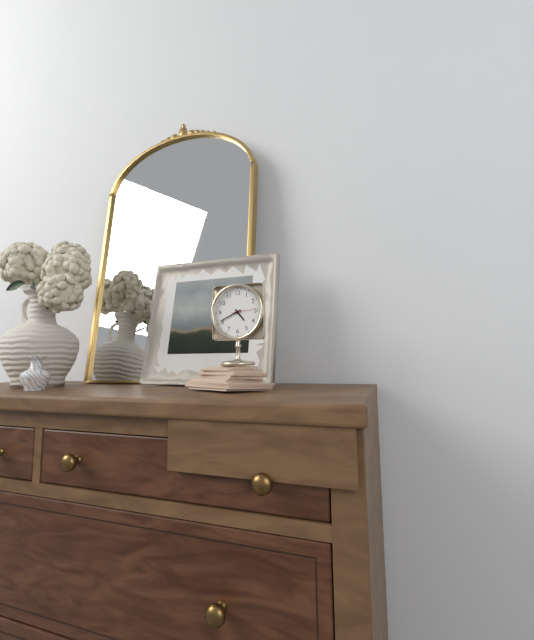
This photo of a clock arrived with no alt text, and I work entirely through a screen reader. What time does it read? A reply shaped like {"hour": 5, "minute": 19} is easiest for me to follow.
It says {"hour": 4, "minute": 41}
